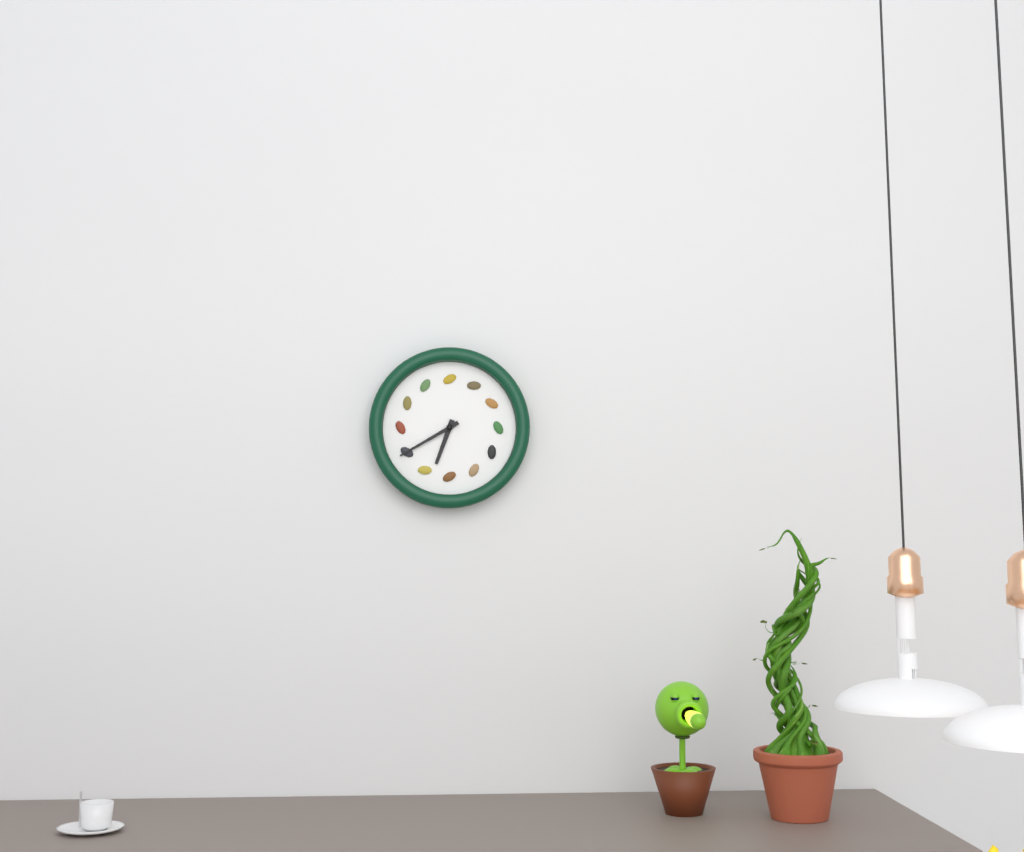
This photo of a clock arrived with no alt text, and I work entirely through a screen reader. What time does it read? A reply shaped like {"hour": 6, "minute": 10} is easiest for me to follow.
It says {"hour": 6, "minute": 40}
